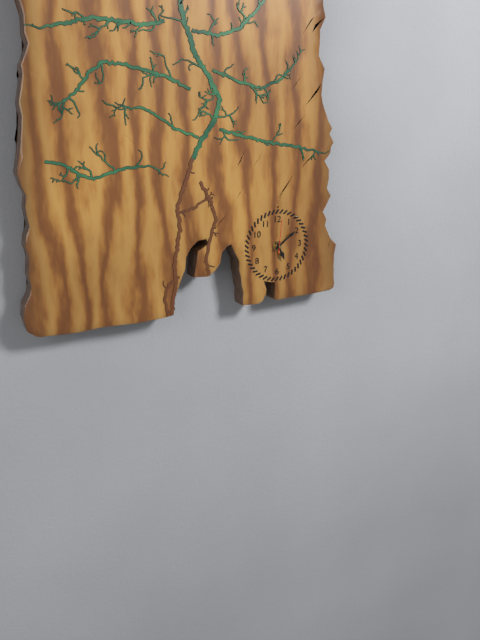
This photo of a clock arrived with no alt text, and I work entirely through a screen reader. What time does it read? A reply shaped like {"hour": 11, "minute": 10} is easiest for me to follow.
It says {"hour": 5, "minute": 9}
